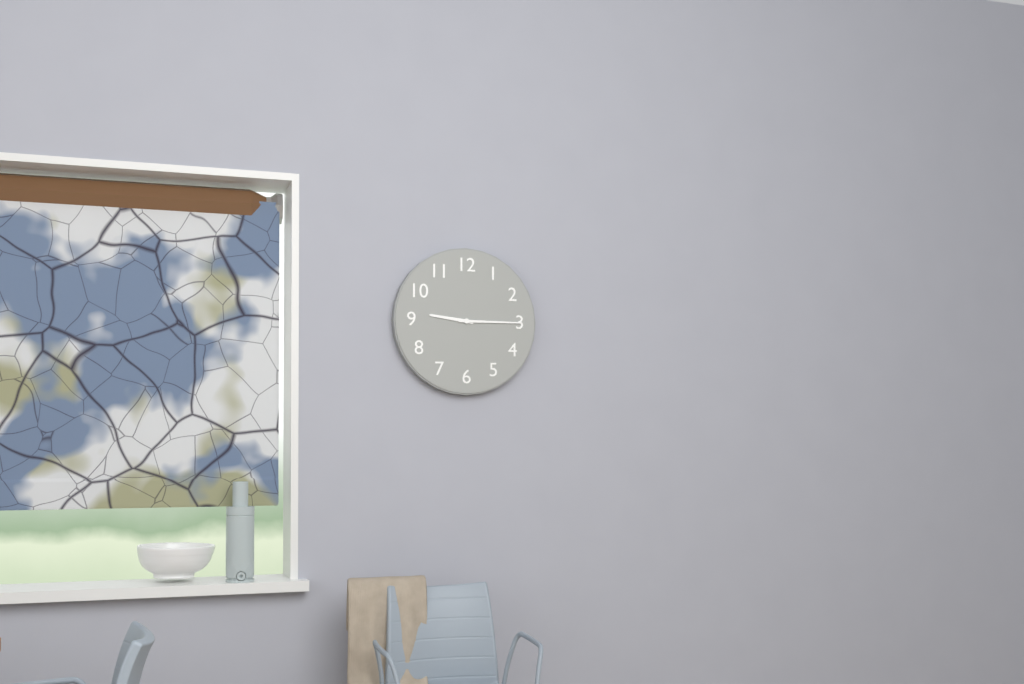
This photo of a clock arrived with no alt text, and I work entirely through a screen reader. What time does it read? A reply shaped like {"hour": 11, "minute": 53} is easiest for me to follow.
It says {"hour": 9, "minute": 15}
